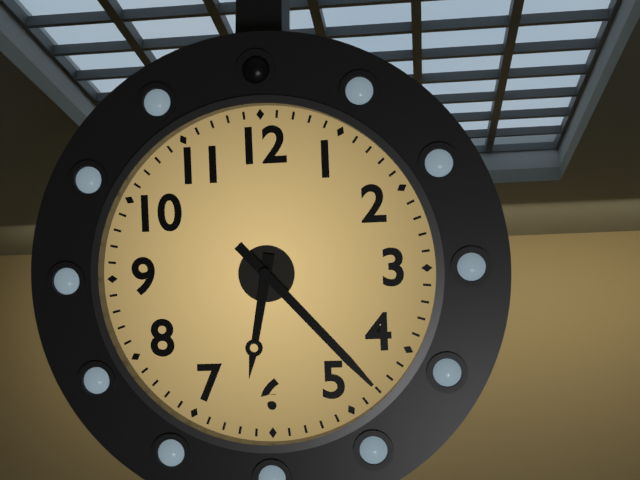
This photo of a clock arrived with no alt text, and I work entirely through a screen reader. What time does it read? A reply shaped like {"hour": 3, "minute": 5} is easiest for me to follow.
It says {"hour": 6, "minute": 23}
